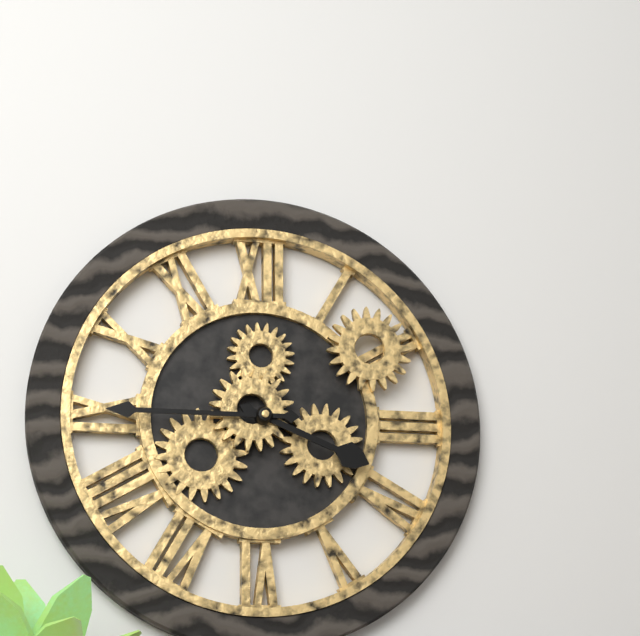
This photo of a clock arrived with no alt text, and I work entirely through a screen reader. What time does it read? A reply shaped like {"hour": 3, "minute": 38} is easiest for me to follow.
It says {"hour": 3, "minute": 45}
